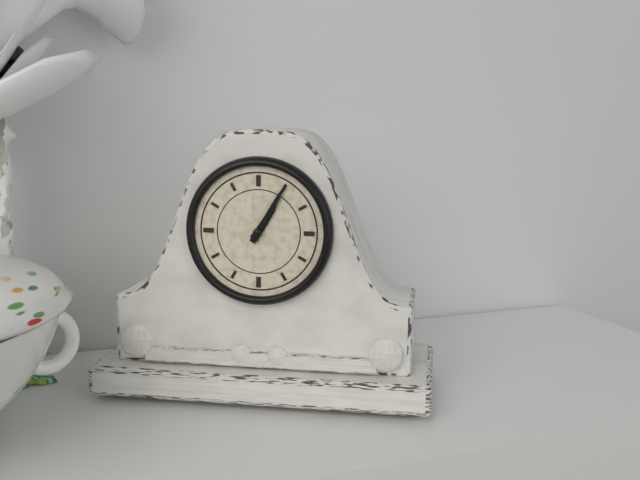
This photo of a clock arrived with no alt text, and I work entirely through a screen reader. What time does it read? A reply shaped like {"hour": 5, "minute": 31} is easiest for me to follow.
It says {"hour": 1, "minute": 5}
